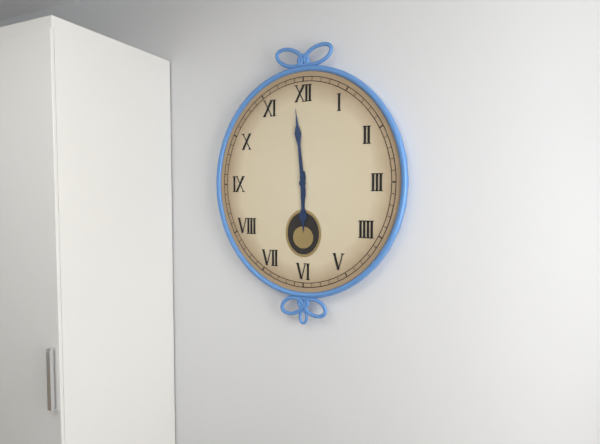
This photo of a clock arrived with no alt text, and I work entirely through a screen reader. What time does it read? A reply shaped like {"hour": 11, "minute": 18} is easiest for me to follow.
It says {"hour": 5, "minute": 59}
